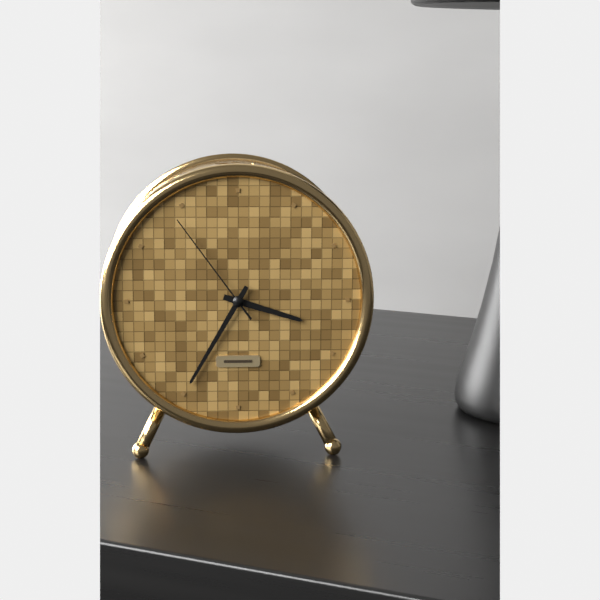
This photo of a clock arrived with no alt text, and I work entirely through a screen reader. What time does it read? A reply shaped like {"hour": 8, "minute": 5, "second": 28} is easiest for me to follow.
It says {"hour": 3, "minute": 35, "second": 54}
